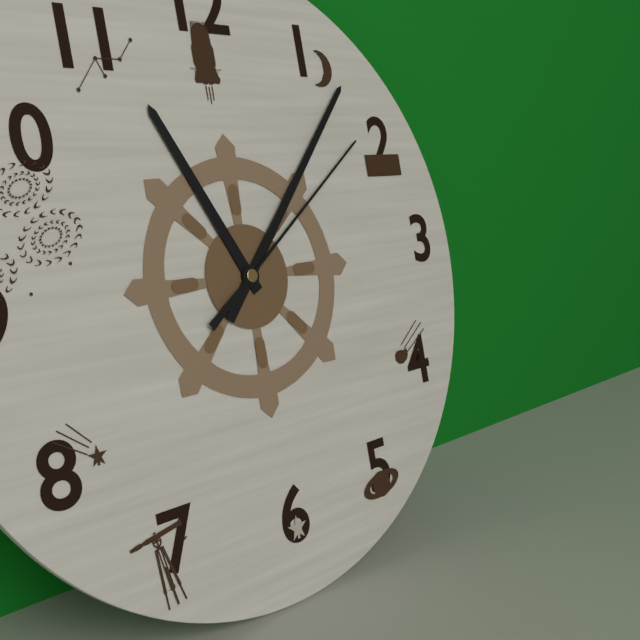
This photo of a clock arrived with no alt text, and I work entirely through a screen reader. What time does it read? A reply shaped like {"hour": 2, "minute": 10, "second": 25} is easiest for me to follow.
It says {"hour": 11, "minute": 7, "second": 9}
